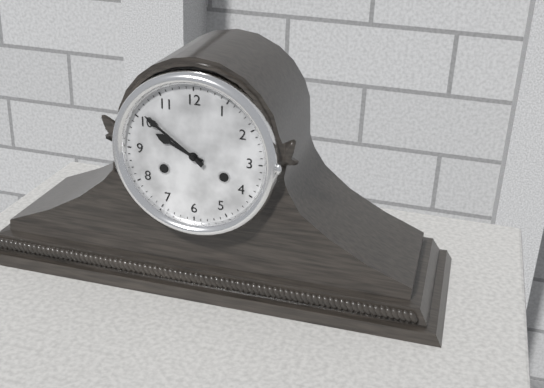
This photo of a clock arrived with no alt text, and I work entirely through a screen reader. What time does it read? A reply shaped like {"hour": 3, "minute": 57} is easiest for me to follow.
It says {"hour": 9, "minute": 51}
